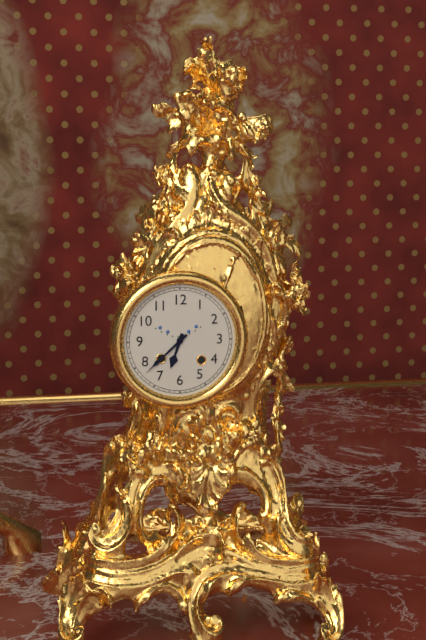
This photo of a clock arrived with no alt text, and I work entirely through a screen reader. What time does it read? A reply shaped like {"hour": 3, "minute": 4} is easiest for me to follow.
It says {"hour": 6, "minute": 38}
